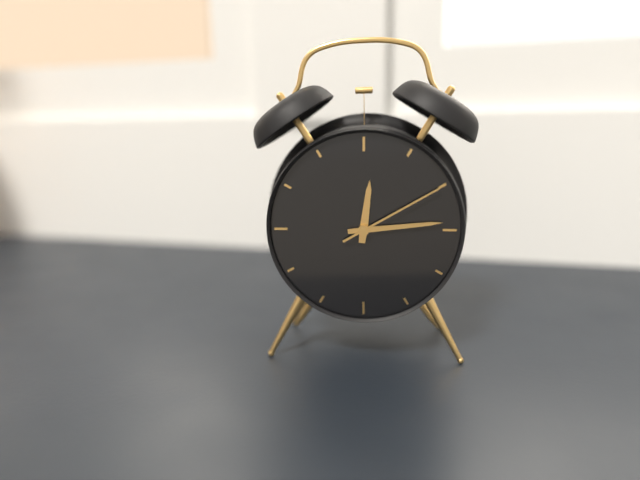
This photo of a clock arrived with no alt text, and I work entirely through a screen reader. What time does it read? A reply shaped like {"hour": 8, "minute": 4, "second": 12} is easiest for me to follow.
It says {"hour": 12, "minute": 14, "second": 10}
